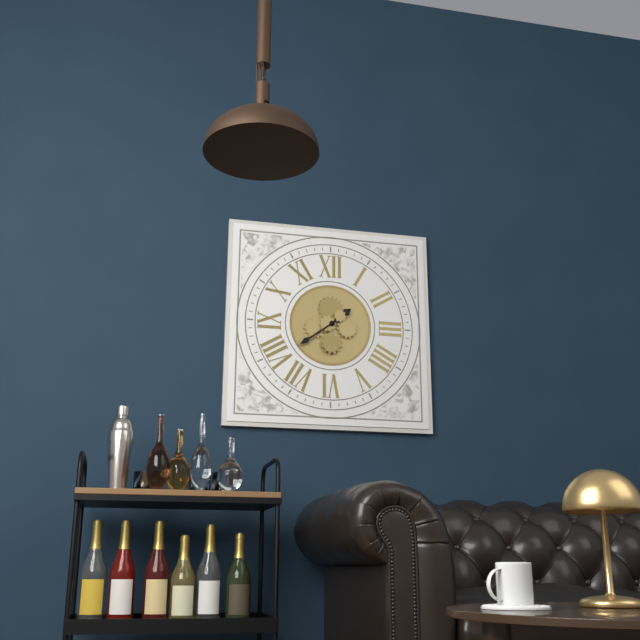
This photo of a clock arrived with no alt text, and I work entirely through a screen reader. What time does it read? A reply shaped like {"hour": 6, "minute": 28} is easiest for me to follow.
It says {"hour": 1, "minute": 39}
